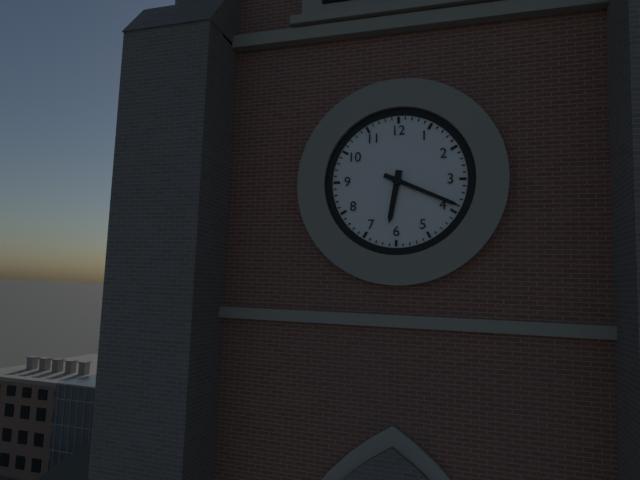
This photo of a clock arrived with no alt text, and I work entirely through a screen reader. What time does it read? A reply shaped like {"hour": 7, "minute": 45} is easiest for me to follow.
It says {"hour": 6, "minute": 19}
